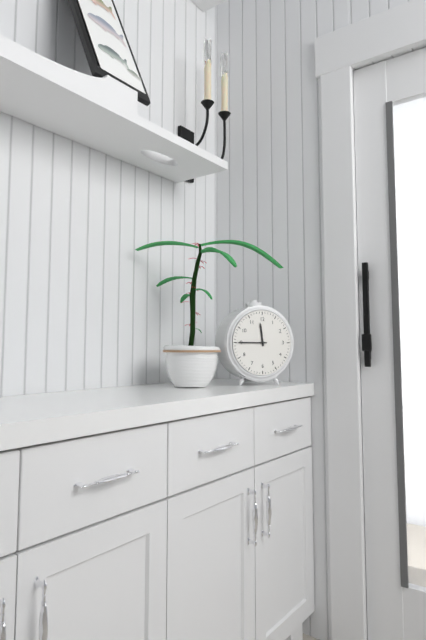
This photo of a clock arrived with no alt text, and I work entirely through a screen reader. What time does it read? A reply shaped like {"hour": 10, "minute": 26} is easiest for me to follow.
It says {"hour": 11, "minute": 45}
